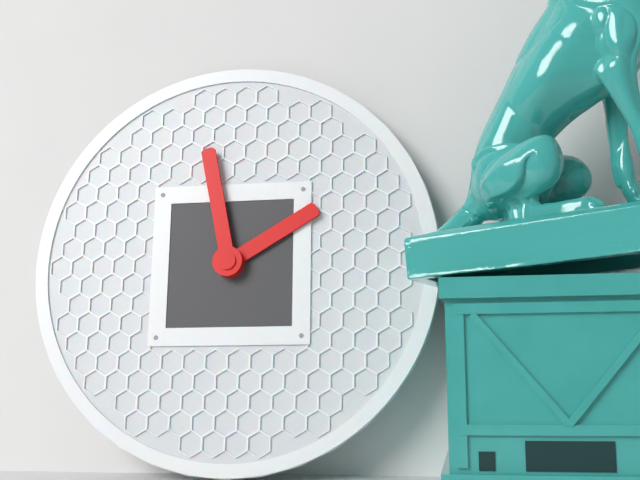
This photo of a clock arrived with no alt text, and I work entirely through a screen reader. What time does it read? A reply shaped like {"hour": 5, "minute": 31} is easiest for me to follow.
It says {"hour": 1, "minute": 58}
